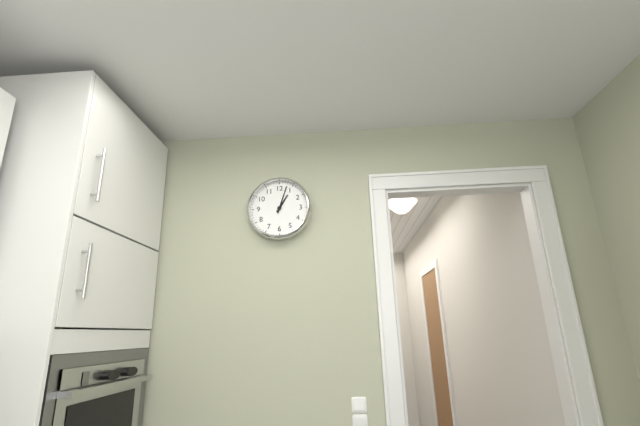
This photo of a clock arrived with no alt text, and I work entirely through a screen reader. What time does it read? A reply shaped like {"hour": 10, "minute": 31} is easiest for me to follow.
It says {"hour": 1, "minute": 3}
